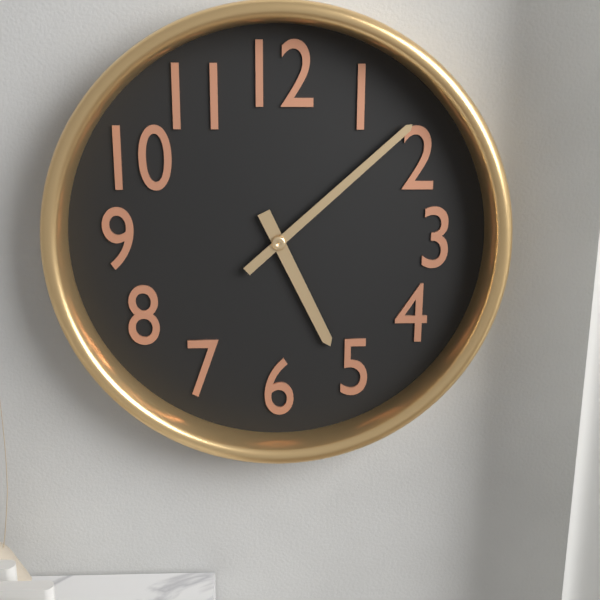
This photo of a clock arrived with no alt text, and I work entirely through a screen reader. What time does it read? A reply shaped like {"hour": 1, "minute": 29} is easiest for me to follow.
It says {"hour": 5, "minute": 8}
